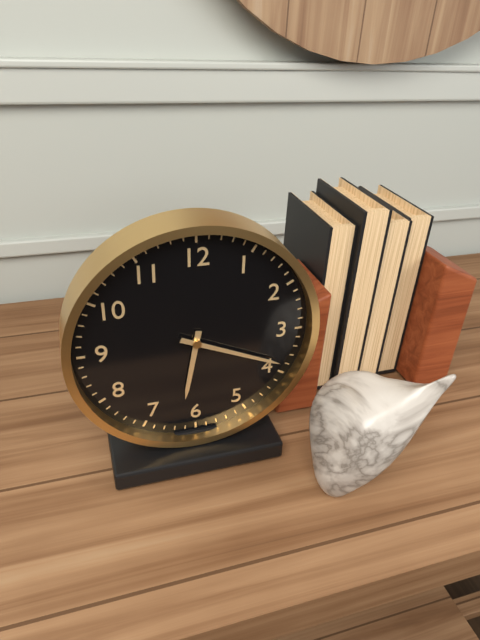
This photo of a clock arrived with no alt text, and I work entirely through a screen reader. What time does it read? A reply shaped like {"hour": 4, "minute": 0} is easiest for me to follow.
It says {"hour": 6, "minute": 19}
